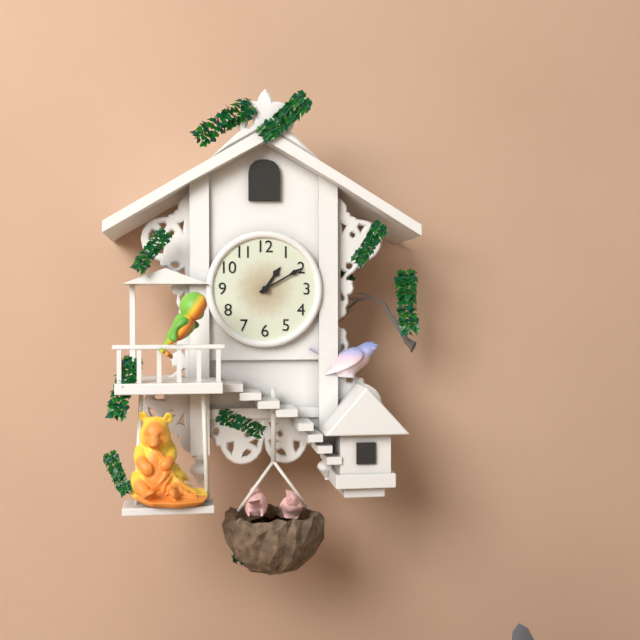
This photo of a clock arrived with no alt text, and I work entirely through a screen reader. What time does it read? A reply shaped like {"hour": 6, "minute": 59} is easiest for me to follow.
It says {"hour": 1, "minute": 10}
